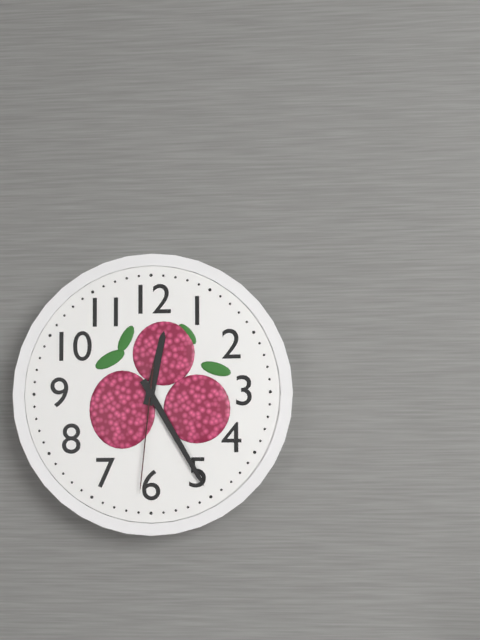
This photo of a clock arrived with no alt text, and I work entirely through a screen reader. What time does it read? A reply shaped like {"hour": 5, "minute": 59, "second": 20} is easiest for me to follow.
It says {"hour": 12, "minute": 25, "second": 31}
